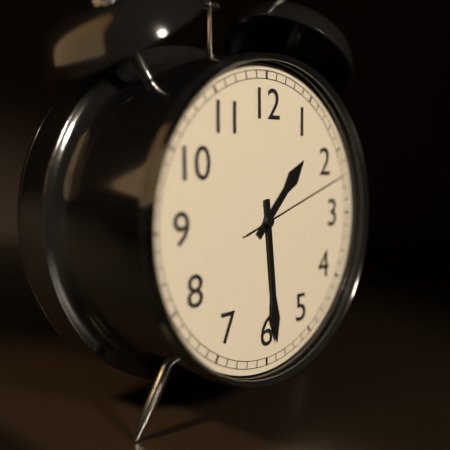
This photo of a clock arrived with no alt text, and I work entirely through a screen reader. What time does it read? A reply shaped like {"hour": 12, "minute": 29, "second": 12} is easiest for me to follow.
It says {"hour": 1, "minute": 29, "second": 12}
